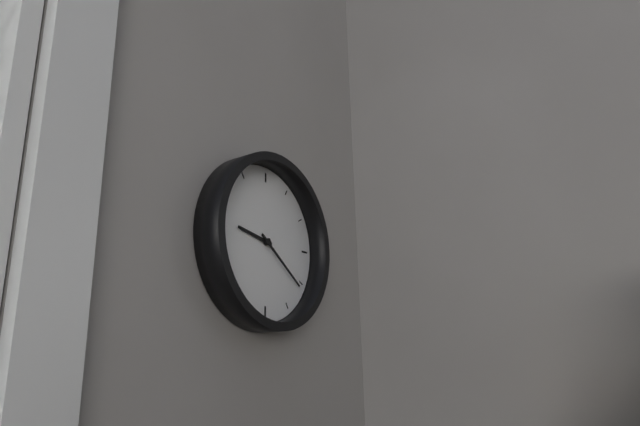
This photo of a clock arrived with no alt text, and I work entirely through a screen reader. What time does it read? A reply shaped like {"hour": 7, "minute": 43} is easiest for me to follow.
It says {"hour": 9, "minute": 21}
